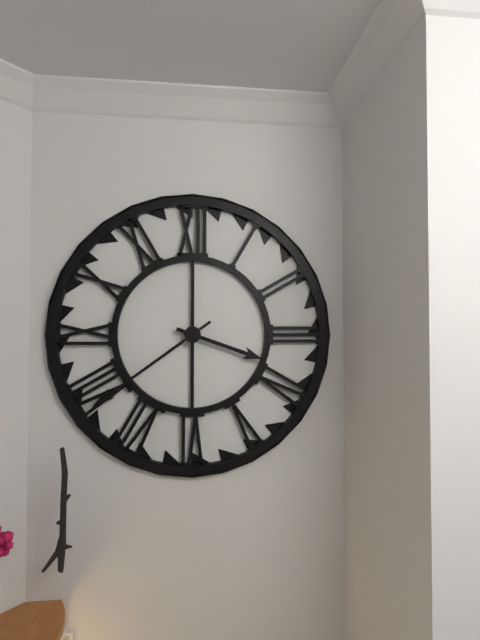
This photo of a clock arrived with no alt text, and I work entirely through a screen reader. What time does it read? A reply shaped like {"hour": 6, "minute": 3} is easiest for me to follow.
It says {"hour": 3, "minute": 39}
